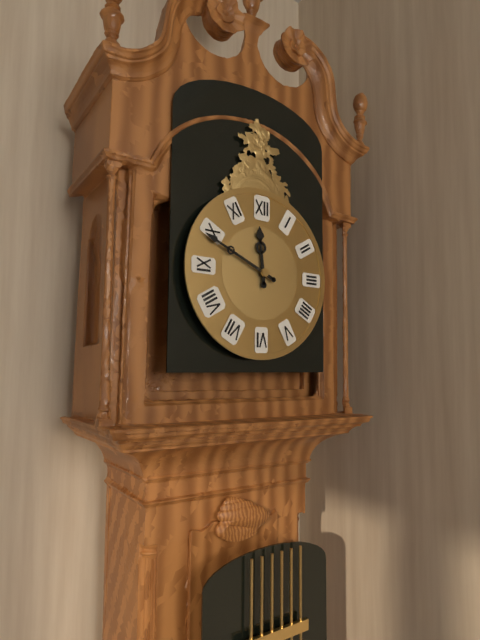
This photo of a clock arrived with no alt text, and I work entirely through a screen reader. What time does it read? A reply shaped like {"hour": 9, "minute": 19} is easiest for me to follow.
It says {"hour": 11, "minute": 49}
